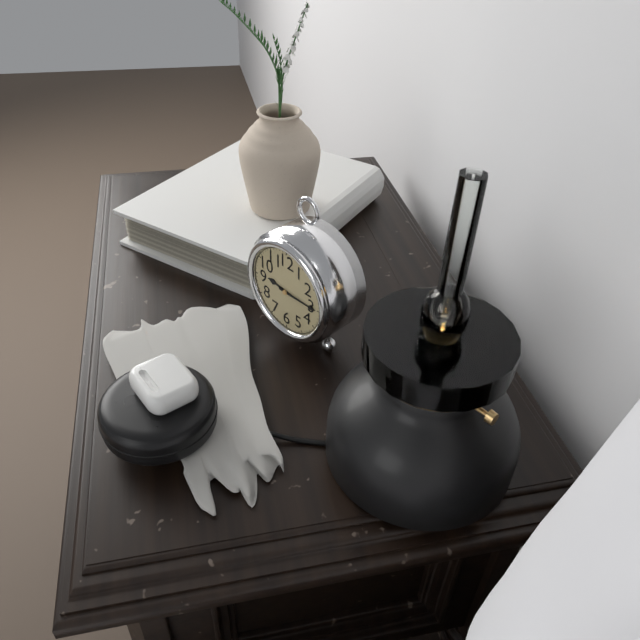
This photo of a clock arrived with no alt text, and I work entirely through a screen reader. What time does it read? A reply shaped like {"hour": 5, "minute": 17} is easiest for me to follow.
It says {"hour": 9, "minute": 15}
